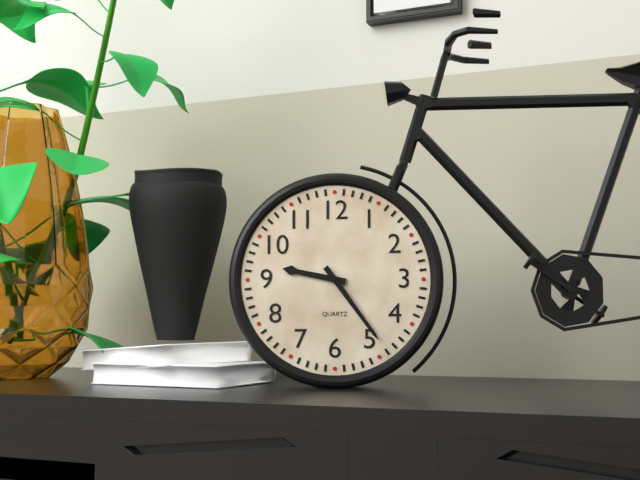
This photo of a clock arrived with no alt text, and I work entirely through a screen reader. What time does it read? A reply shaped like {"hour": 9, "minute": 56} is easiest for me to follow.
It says {"hour": 9, "minute": 24}
